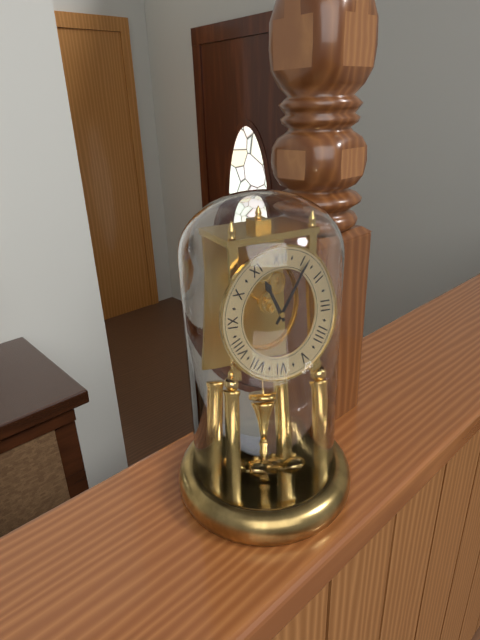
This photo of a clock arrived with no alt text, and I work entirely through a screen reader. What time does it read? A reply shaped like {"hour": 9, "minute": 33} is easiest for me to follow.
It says {"hour": 11, "minute": 6}
